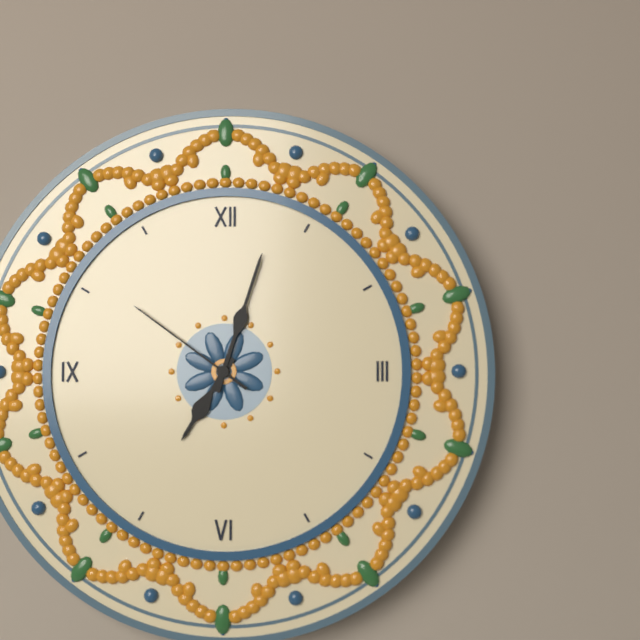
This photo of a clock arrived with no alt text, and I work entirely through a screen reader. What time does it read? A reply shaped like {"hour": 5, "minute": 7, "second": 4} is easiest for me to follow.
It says {"hour": 7, "minute": 3, "second": 51}
